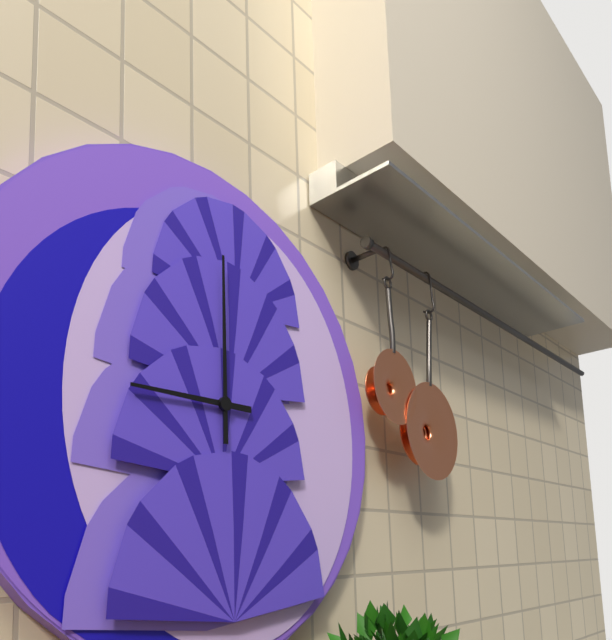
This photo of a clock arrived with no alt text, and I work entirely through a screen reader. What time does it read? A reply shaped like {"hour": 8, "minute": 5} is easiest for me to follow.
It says {"hour": 9, "minute": 0}
